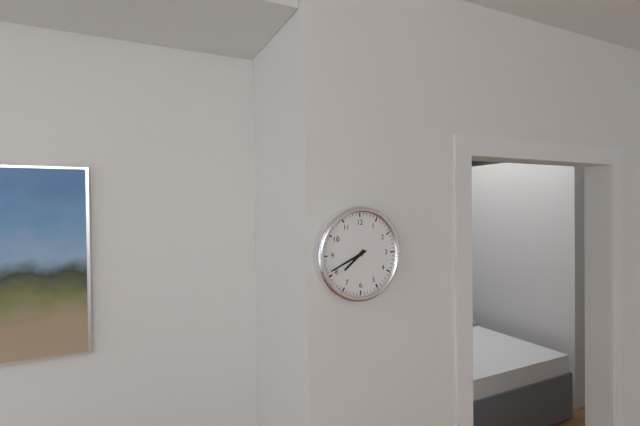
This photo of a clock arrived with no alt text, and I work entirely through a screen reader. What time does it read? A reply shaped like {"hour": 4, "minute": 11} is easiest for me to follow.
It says {"hour": 7, "minute": 41}
